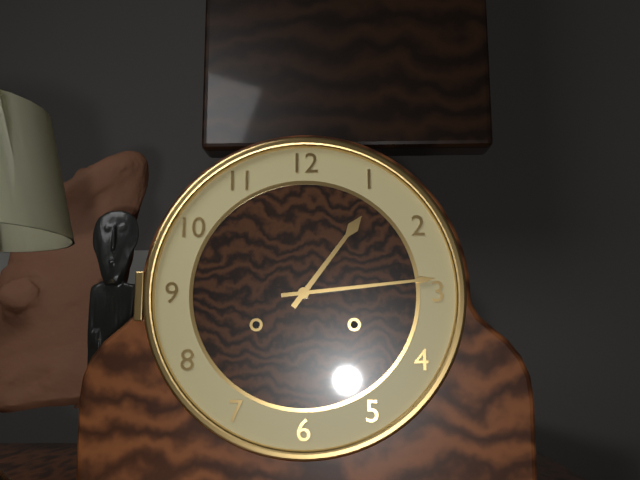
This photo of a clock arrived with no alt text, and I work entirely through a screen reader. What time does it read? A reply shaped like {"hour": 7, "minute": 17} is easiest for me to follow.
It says {"hour": 1, "minute": 14}
